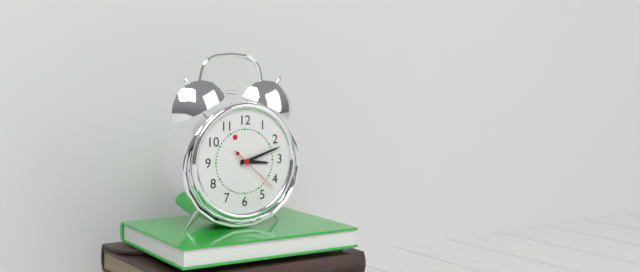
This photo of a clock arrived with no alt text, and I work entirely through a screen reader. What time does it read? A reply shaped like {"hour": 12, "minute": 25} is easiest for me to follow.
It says {"hour": 3, "minute": 12}
